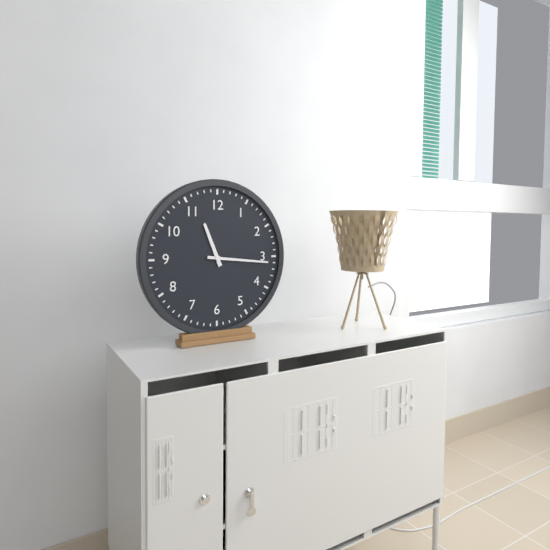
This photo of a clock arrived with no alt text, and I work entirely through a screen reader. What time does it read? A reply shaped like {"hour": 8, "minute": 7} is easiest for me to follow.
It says {"hour": 11, "minute": 16}
